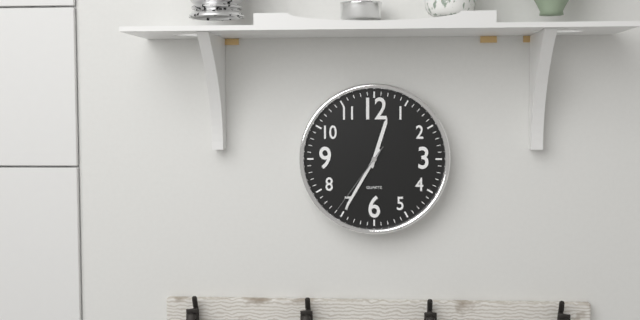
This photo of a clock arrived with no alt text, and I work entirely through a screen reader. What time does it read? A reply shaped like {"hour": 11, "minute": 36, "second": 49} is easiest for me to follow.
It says {"hour": 12, "minute": 35, "second": 36}
